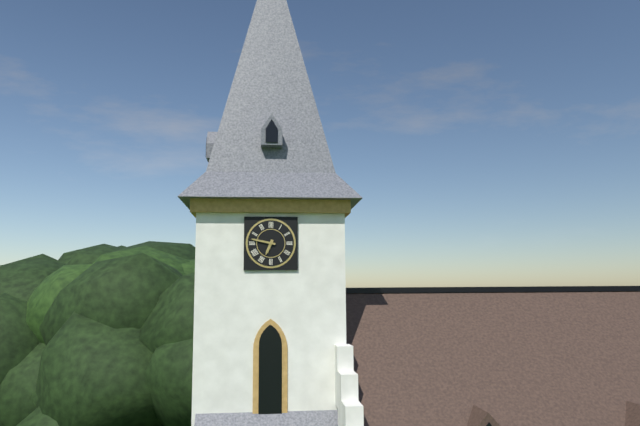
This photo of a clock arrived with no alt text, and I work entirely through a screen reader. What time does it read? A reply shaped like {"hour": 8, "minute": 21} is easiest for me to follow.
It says {"hour": 6, "minute": 47}
